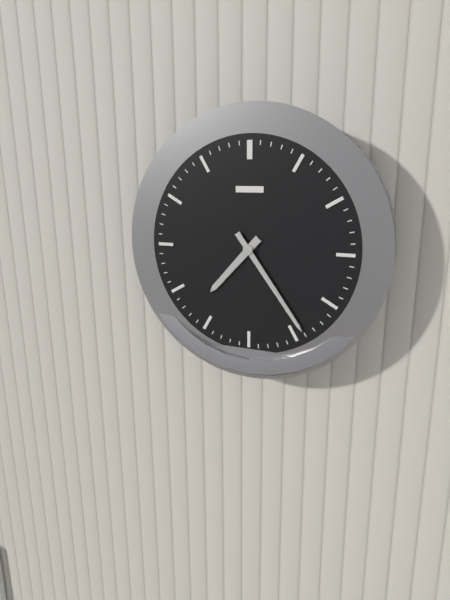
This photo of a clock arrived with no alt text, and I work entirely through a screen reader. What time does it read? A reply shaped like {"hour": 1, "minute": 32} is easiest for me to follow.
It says {"hour": 7, "minute": 24}
